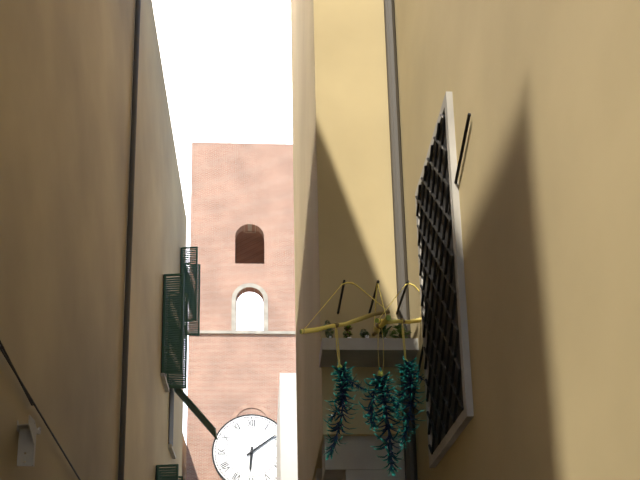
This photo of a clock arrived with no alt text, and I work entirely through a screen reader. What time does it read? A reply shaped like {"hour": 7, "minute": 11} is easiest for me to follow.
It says {"hour": 6, "minute": 9}
